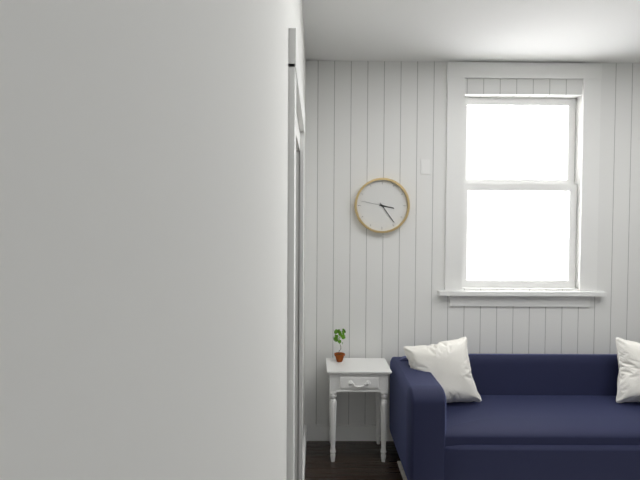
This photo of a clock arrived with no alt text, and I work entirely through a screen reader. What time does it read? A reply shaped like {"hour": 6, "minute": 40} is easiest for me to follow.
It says {"hour": 3, "minute": 24}
